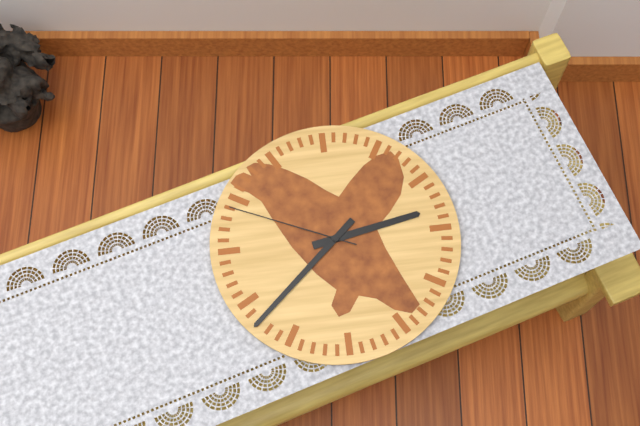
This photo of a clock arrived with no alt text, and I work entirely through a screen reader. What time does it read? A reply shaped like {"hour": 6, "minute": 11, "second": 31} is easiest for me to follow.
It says {"hour": 2, "minute": 38, "second": 49}
